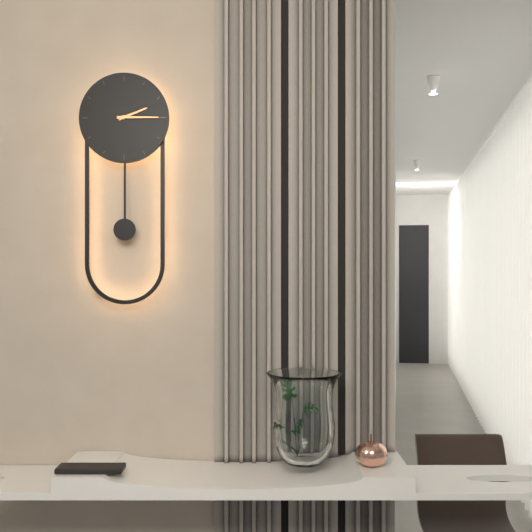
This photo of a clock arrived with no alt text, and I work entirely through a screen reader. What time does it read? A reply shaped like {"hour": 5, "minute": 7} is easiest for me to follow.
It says {"hour": 2, "minute": 15}
